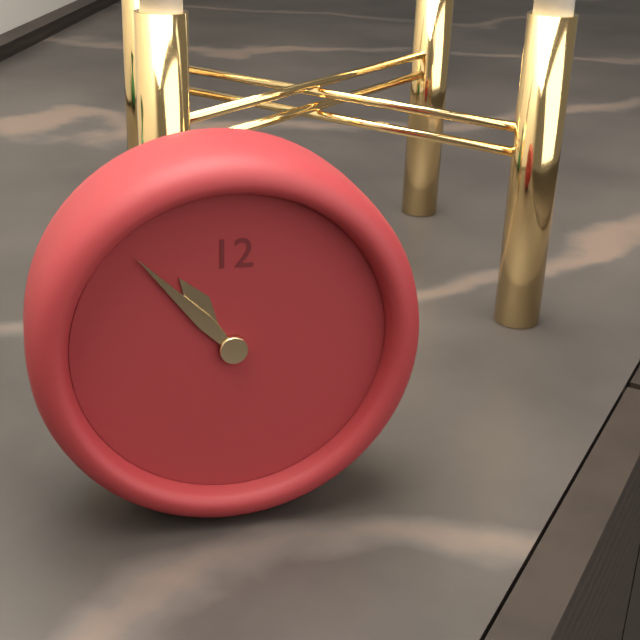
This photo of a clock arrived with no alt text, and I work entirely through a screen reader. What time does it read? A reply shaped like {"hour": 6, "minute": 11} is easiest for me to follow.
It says {"hour": 10, "minute": 53}
